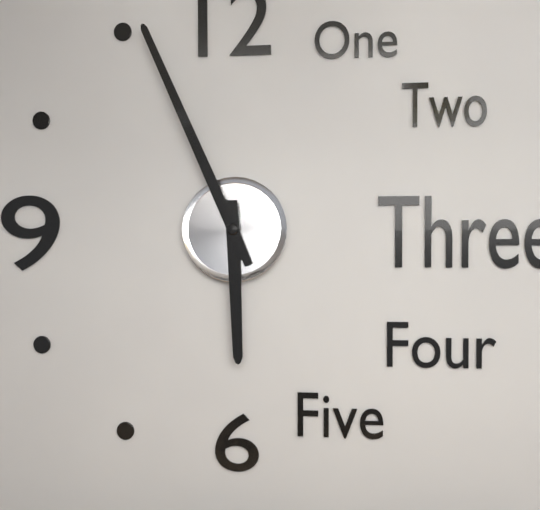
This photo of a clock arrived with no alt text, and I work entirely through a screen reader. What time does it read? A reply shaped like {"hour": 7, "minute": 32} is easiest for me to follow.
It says {"hour": 5, "minute": 56}
